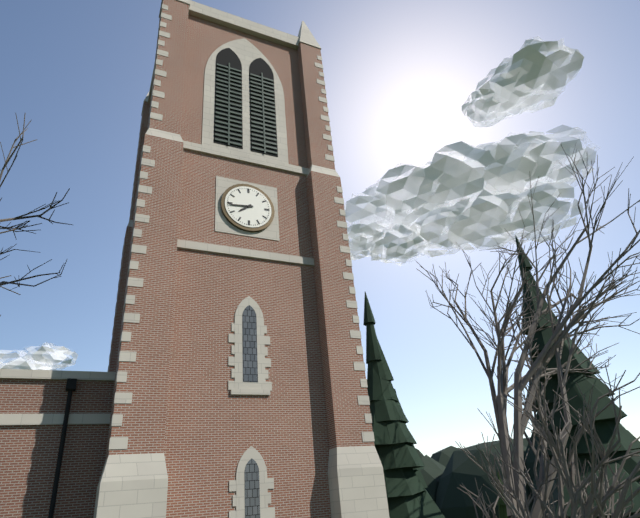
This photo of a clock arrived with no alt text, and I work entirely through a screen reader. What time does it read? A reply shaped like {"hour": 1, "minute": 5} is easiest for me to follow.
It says {"hour": 7, "minute": 44}
